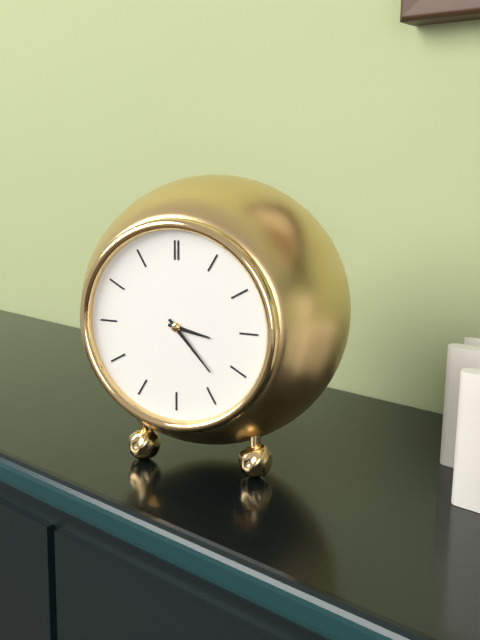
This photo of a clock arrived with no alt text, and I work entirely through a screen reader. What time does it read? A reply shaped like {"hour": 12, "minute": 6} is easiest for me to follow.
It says {"hour": 3, "minute": 23}
